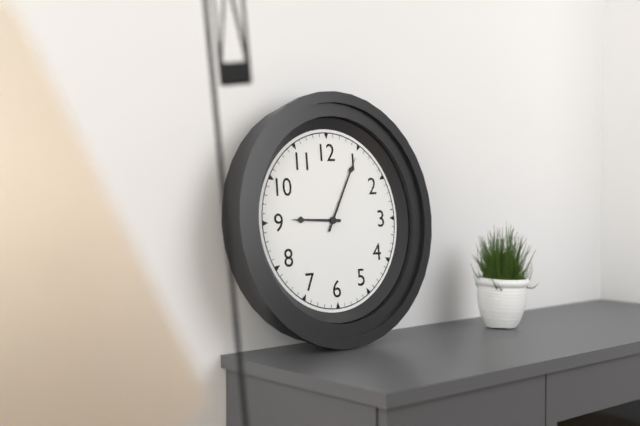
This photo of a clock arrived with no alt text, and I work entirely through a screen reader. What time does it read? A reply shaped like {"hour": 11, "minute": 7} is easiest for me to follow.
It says {"hour": 9, "minute": 5}
